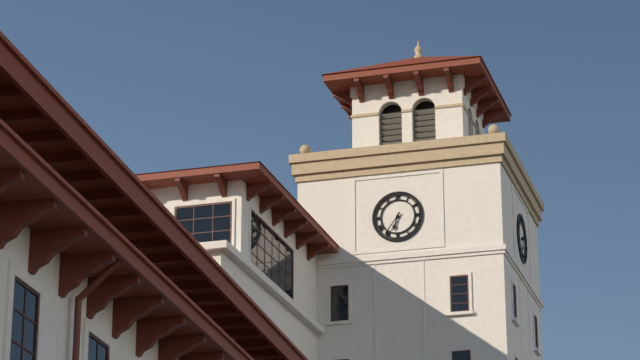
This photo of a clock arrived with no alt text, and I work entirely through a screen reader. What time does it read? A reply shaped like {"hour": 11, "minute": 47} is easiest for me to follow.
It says {"hour": 6, "minute": 36}
